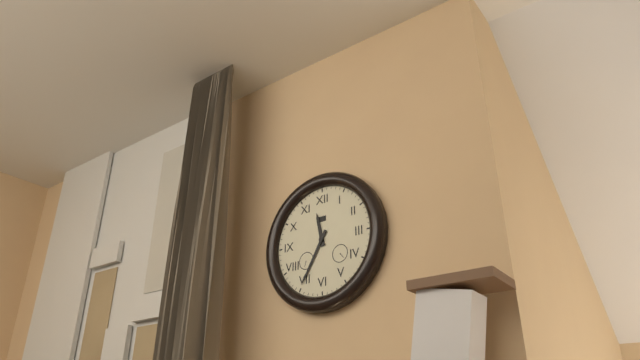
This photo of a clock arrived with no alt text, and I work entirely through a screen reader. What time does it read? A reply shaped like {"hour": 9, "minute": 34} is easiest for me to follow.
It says {"hour": 11, "minute": 35}
